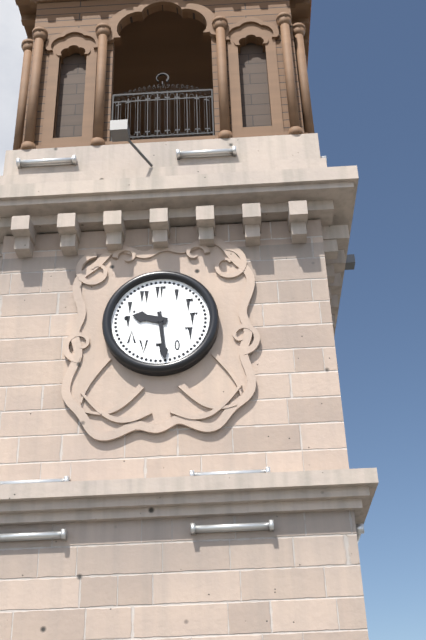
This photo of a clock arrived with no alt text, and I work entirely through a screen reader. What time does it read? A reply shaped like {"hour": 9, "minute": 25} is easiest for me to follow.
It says {"hour": 9, "minute": 29}
